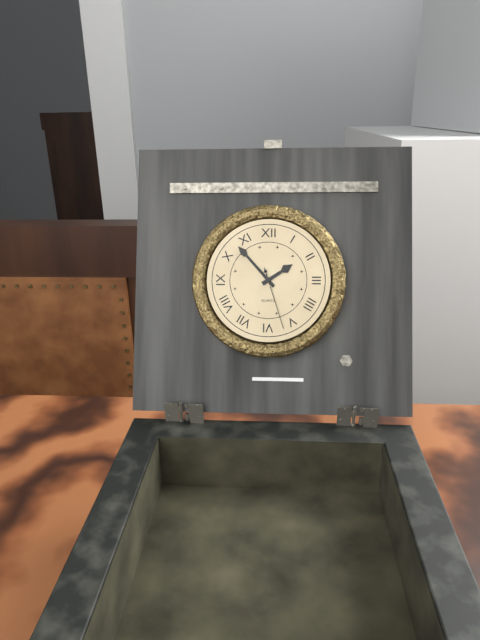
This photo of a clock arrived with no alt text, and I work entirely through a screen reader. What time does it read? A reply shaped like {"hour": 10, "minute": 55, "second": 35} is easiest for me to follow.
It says {"hour": 1, "minute": 53, "second": 27}
